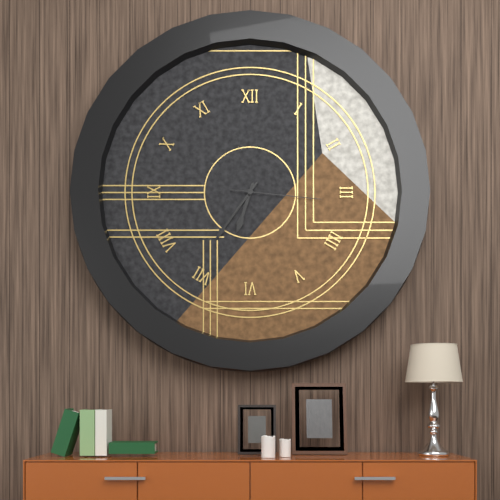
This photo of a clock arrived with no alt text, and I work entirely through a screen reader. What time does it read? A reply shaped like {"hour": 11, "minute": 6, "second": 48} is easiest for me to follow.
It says {"hour": 6, "minute": 36, "second": 16}
